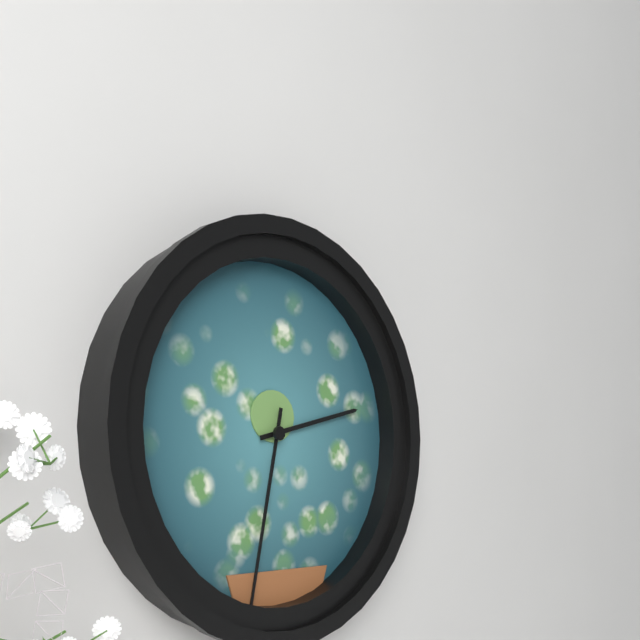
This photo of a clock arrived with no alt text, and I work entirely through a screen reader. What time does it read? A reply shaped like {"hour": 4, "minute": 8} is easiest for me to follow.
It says {"hour": 2, "minute": 32}
